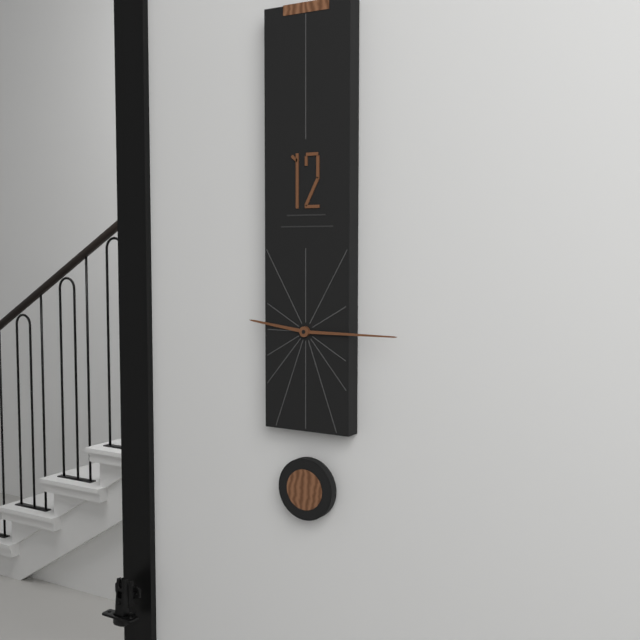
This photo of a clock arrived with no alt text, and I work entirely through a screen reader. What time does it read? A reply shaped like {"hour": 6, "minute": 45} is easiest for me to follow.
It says {"hour": 9, "minute": 15}
